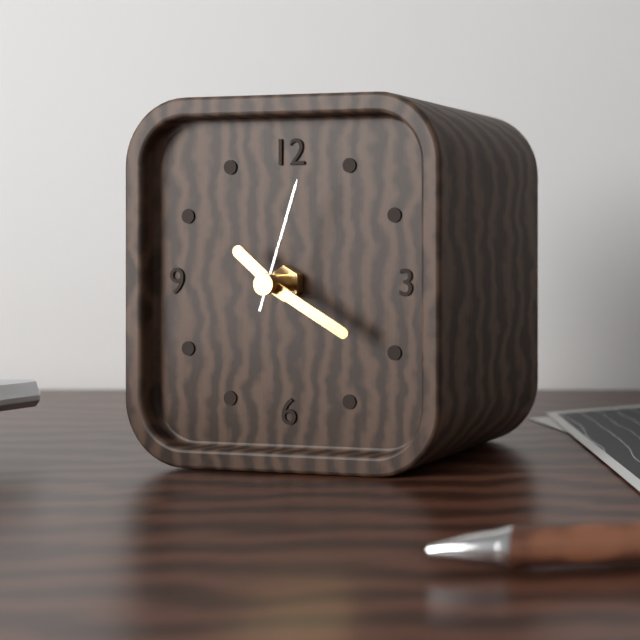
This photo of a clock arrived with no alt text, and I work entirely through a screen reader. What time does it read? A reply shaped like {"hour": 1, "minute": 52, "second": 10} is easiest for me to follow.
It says {"hour": 10, "minute": 20, "second": 3}
